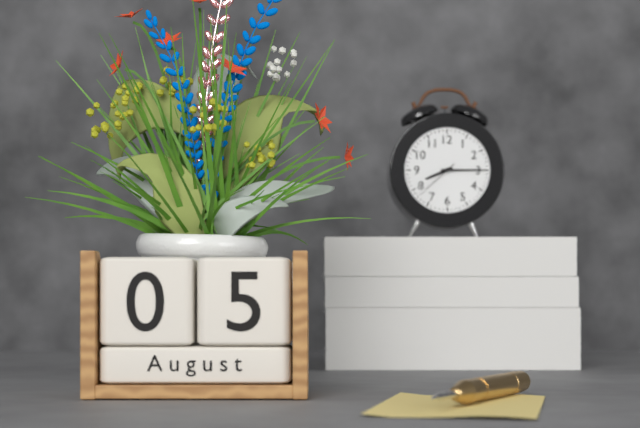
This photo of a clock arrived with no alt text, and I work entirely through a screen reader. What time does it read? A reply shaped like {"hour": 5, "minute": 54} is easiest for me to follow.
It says {"hour": 8, "minute": 15}
